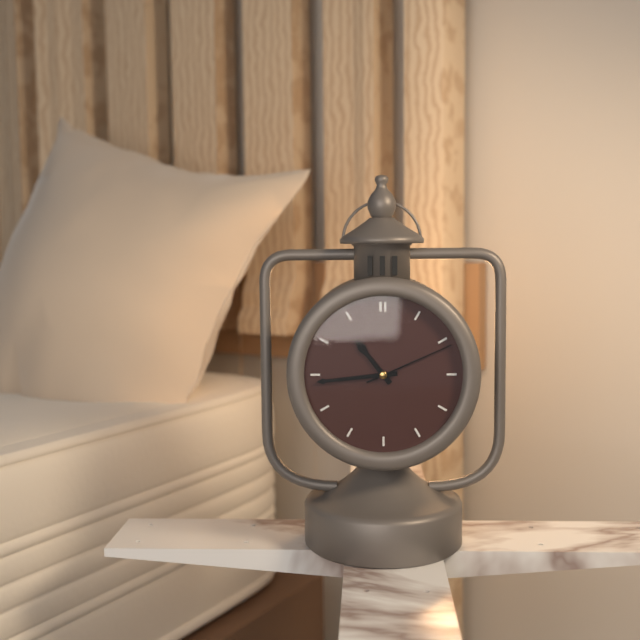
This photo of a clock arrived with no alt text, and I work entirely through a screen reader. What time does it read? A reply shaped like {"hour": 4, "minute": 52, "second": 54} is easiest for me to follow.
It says {"hour": 10, "minute": 44, "second": 11}
